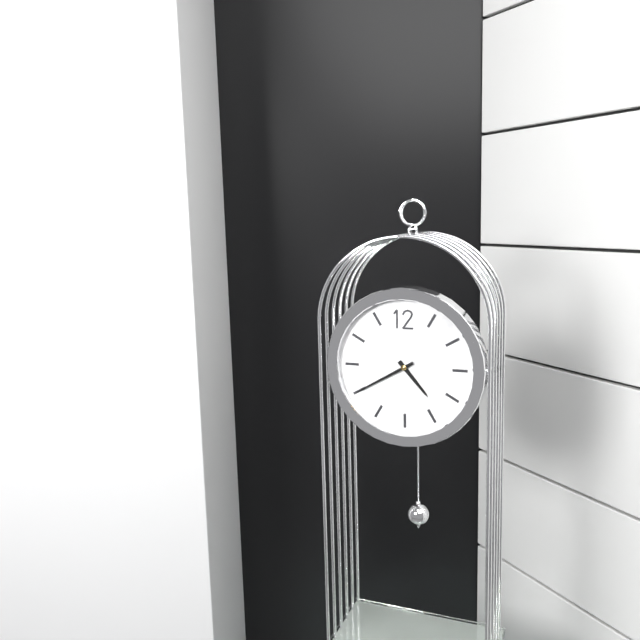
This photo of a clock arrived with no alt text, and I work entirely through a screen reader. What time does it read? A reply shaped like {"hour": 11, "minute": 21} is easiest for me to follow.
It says {"hour": 4, "minute": 40}
